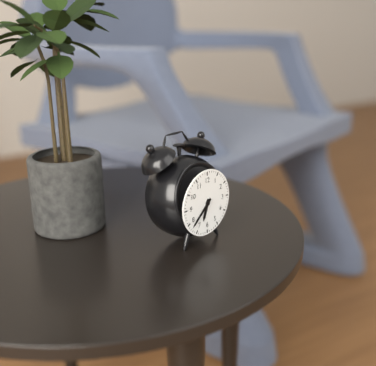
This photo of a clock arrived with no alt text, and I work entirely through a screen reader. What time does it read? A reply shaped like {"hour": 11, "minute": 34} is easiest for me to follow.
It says {"hour": 6, "minute": 38}
